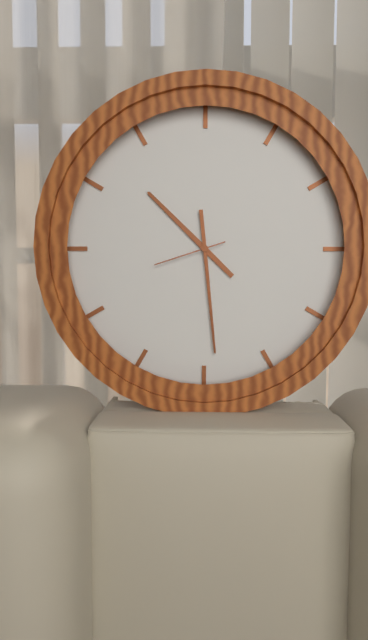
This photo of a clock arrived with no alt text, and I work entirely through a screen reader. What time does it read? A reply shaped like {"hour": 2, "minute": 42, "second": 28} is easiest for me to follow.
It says {"hour": 10, "minute": 29, "second": 42}
